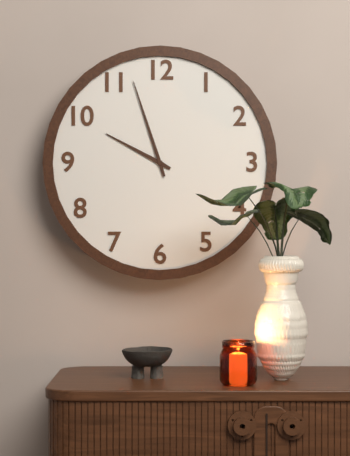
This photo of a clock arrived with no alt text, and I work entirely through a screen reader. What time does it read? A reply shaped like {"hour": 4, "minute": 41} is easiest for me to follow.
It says {"hour": 9, "minute": 57}
